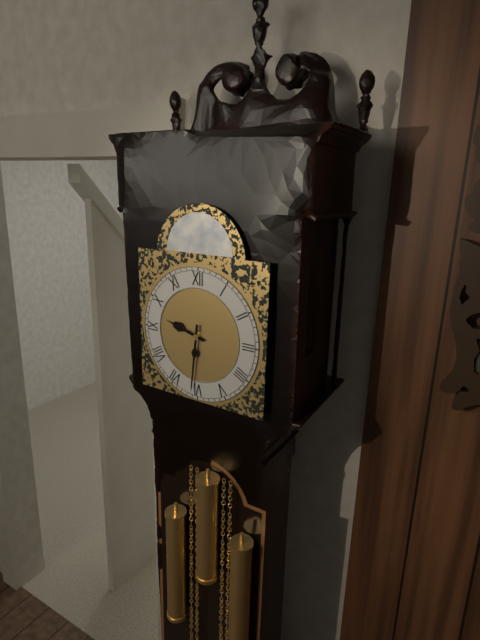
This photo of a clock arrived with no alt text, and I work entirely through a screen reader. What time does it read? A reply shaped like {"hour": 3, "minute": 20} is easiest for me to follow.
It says {"hour": 9, "minute": 31}
